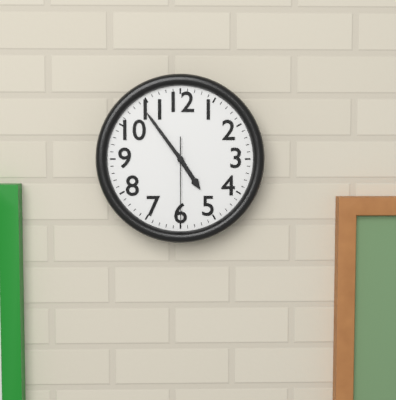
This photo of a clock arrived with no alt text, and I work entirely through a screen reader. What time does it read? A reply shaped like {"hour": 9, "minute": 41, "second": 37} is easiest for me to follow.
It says {"hour": 4, "minute": 54, "second": 30}
